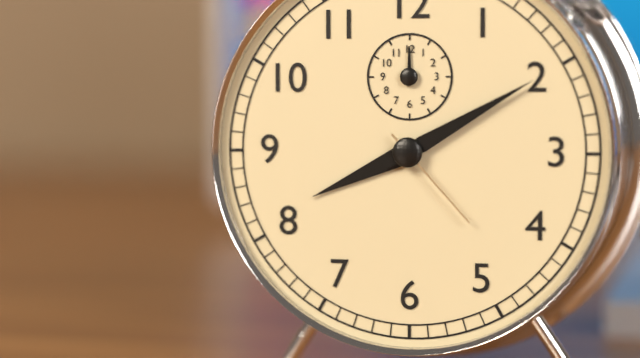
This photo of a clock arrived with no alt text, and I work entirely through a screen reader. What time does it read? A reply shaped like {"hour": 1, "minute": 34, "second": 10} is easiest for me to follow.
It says {"hour": 8, "minute": 10, "second": 23}
